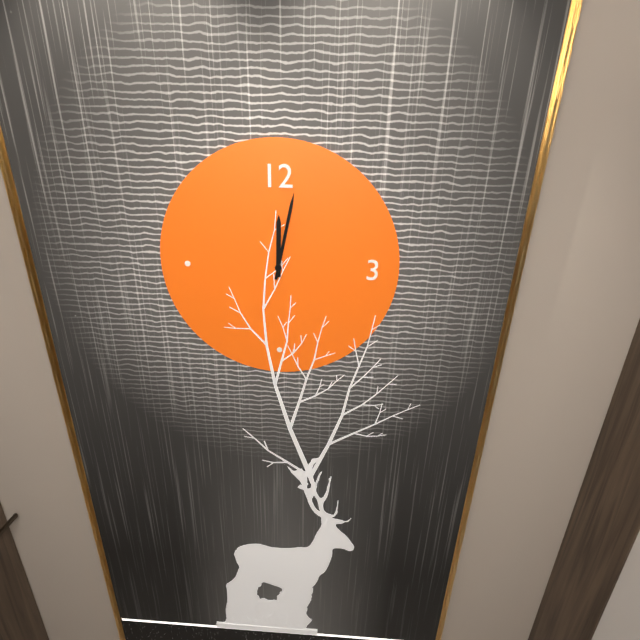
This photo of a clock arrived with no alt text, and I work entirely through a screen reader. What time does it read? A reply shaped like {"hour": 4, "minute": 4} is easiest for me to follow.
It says {"hour": 12, "minute": 2}
